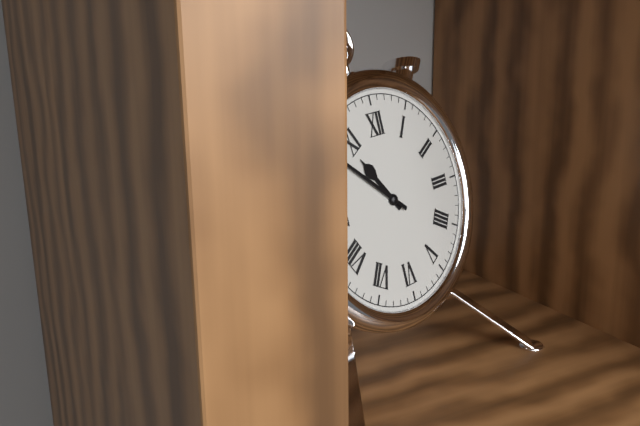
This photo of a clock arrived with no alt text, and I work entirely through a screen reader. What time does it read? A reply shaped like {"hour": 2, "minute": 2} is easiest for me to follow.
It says {"hour": 10, "minute": 52}
